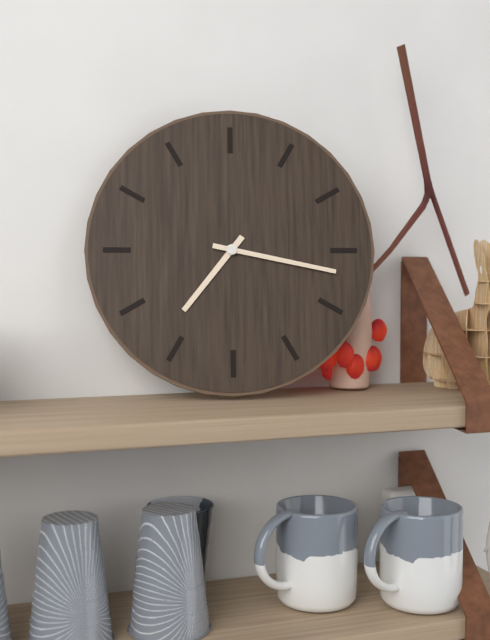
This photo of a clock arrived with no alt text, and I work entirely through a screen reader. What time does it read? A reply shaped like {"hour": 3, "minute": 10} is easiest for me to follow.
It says {"hour": 7, "minute": 17}
